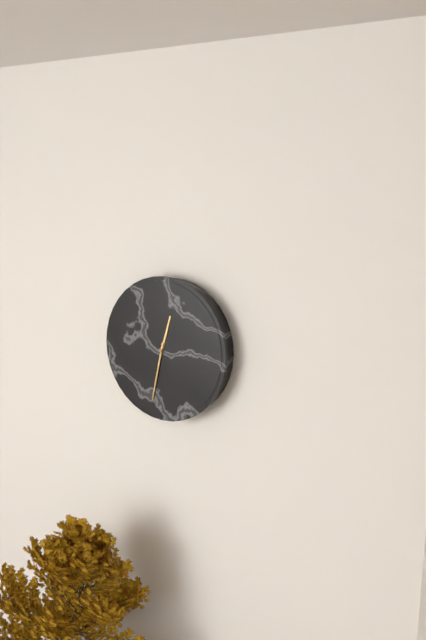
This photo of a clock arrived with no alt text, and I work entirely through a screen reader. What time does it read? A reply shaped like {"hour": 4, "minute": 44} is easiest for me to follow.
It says {"hour": 12, "minute": 32}
